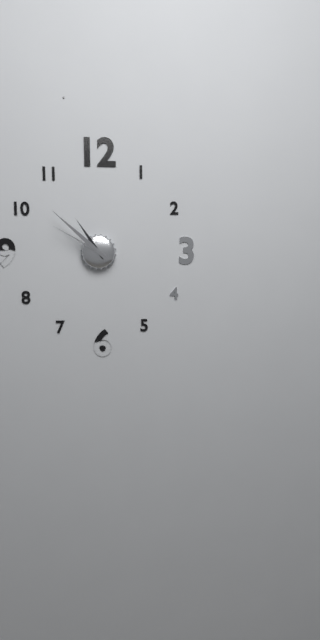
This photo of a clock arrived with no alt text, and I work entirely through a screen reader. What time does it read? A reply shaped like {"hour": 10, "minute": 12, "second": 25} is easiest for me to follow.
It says {"hour": 10, "minute": 52, "second": 50}
